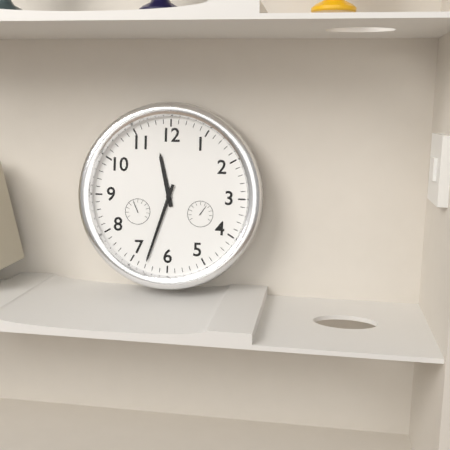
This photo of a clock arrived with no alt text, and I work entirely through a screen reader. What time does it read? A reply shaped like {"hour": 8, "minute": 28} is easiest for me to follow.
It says {"hour": 11, "minute": 33}
